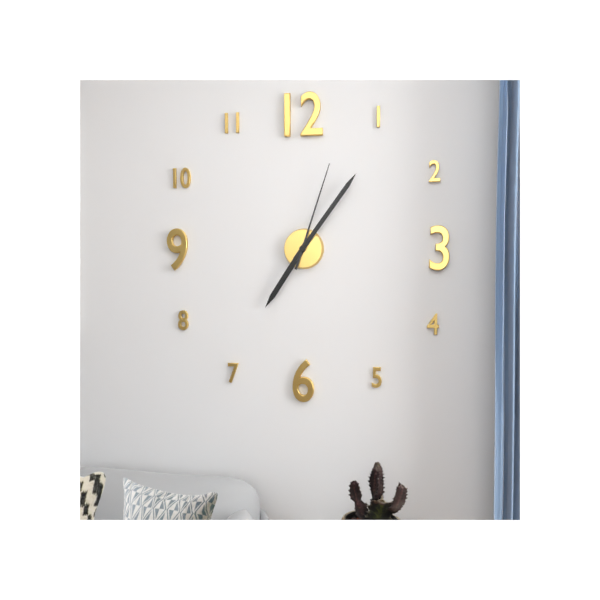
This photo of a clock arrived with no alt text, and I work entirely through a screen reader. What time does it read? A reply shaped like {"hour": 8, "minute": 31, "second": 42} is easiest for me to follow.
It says {"hour": 7, "minute": 6, "second": 3}
